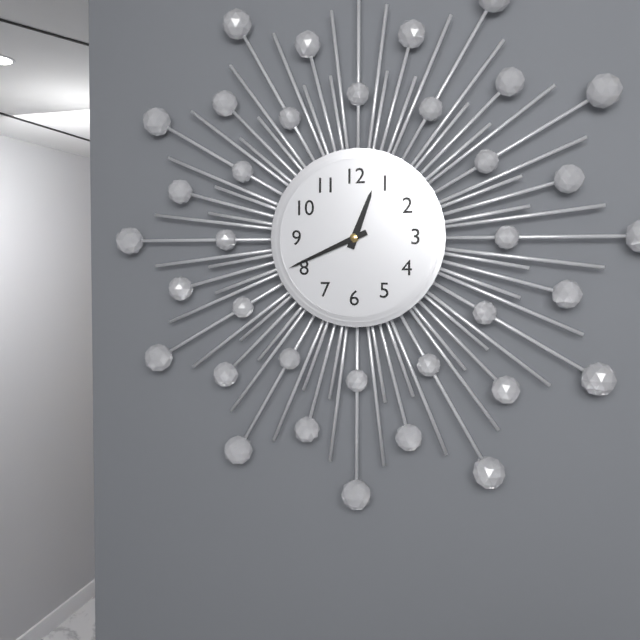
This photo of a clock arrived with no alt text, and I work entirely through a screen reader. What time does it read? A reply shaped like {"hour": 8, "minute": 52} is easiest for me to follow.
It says {"hour": 12, "minute": 41}
